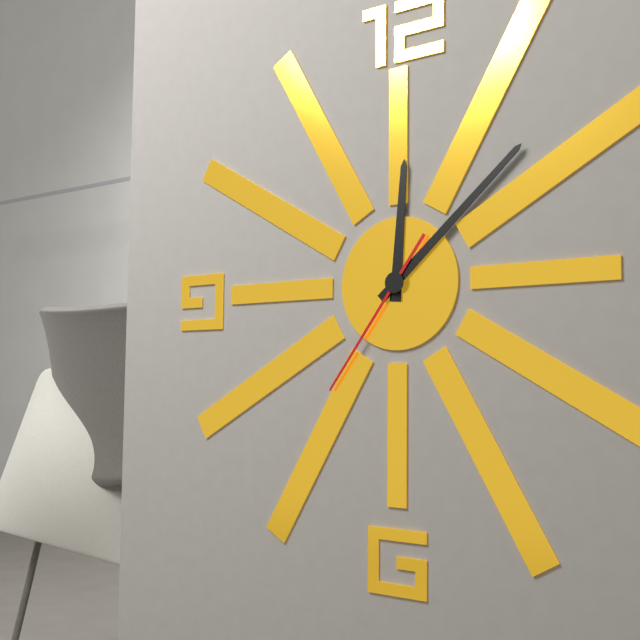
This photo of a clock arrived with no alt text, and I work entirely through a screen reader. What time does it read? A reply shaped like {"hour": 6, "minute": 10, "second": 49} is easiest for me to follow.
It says {"hour": 12, "minute": 8, "second": 36}
